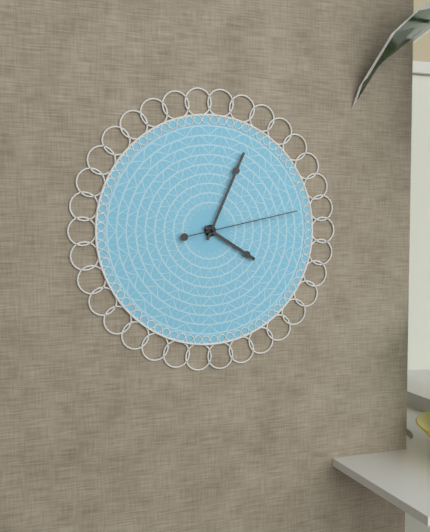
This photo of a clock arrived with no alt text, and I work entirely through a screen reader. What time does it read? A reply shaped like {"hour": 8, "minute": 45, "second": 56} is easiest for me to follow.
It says {"hour": 4, "minute": 4, "second": 13}
